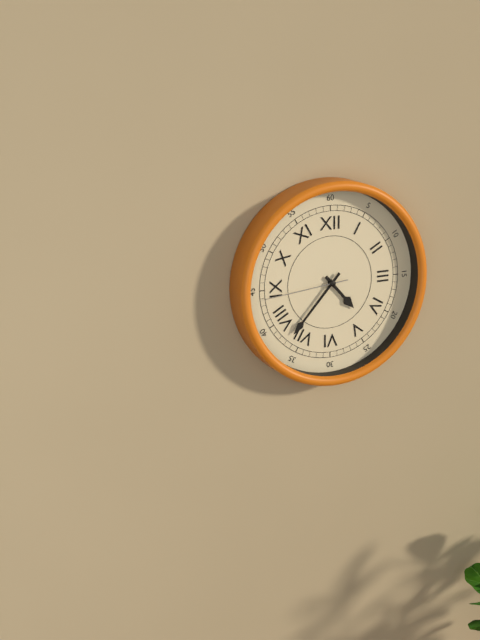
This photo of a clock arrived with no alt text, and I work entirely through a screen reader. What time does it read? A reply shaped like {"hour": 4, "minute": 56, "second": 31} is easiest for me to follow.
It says {"hour": 4, "minute": 37, "second": 44}
